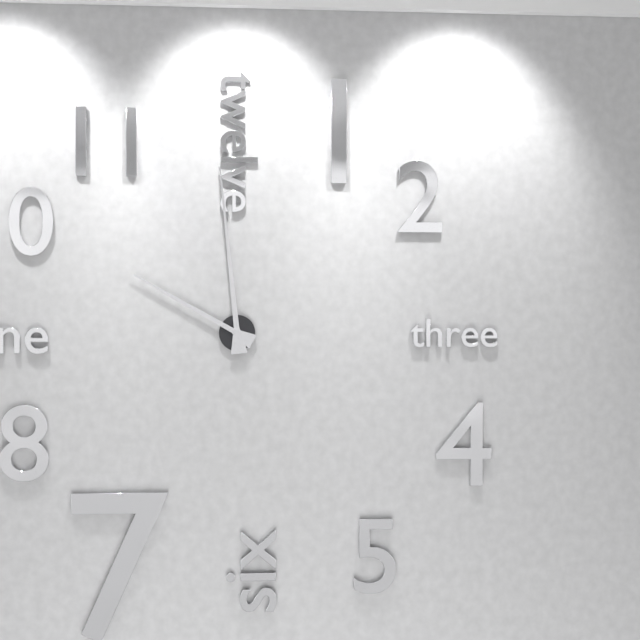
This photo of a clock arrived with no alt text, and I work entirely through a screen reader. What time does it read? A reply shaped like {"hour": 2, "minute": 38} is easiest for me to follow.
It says {"hour": 9, "minute": 59}
